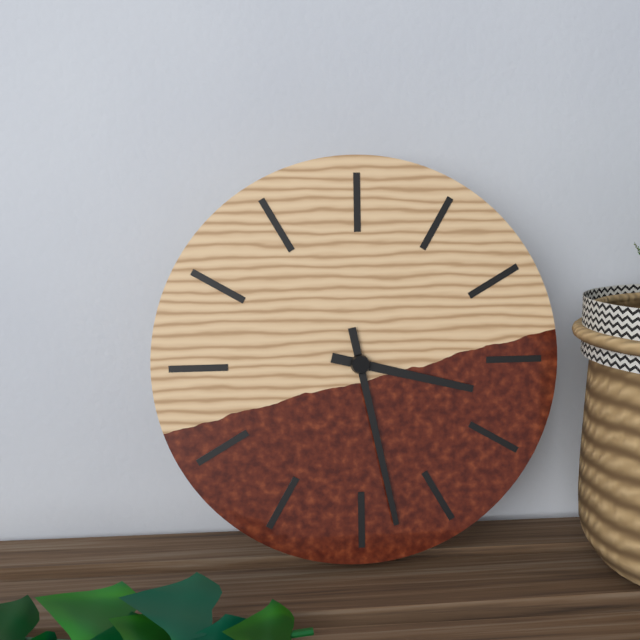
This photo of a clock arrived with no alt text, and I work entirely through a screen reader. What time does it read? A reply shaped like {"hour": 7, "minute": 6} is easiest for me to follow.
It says {"hour": 3, "minute": 28}
